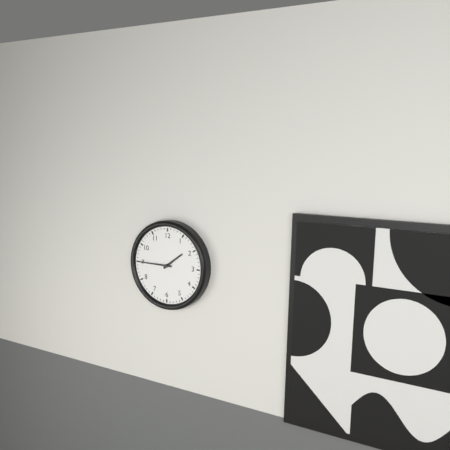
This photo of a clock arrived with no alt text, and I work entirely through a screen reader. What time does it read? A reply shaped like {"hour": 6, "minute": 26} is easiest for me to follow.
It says {"hour": 1, "minute": 45}
